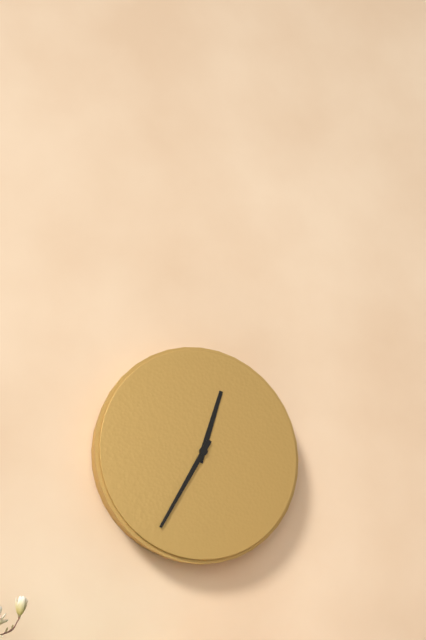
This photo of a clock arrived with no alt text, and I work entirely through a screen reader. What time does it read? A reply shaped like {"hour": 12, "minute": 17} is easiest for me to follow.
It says {"hour": 12, "minute": 35}
